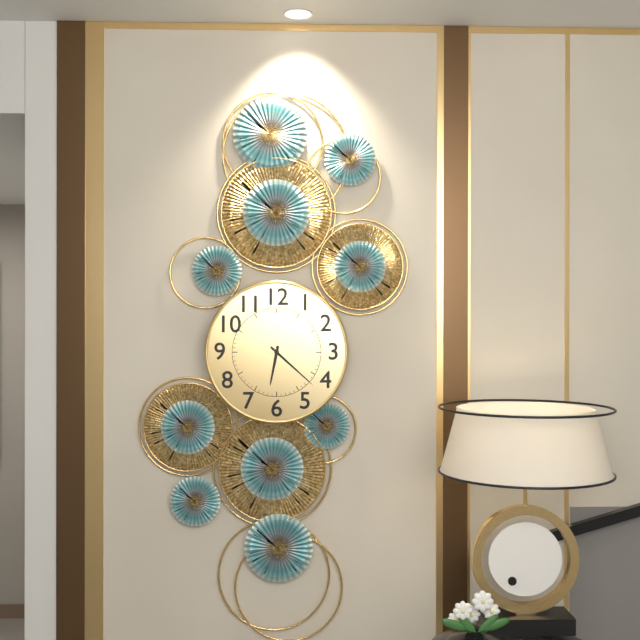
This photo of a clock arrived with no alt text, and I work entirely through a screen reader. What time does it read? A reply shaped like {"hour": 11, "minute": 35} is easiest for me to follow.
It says {"hour": 6, "minute": 22}
